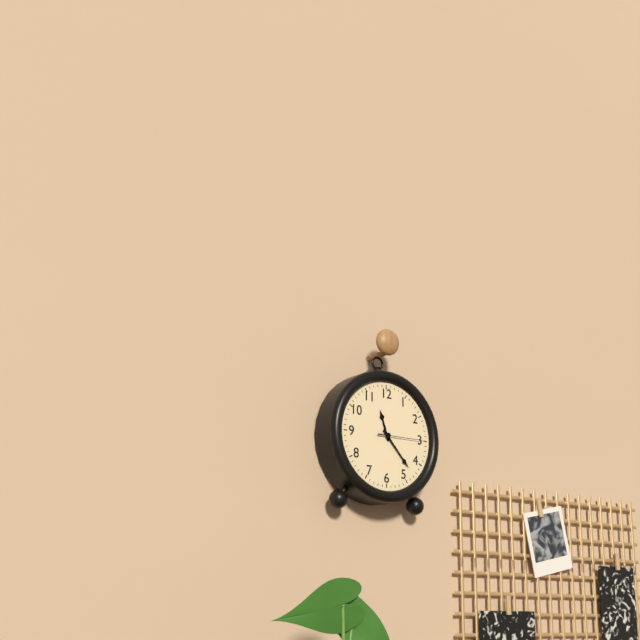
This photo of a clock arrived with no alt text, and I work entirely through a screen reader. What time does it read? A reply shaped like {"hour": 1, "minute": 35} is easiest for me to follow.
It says {"hour": 11, "minute": 23}
